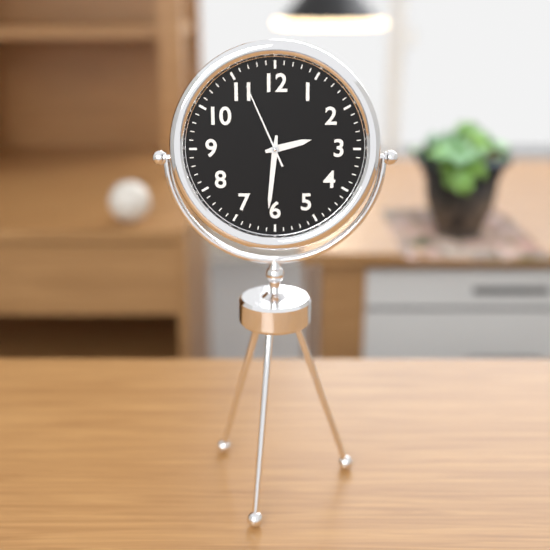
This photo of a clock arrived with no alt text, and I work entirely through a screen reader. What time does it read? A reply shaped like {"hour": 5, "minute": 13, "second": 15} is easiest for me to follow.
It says {"hour": 2, "minute": 31, "second": 56}
